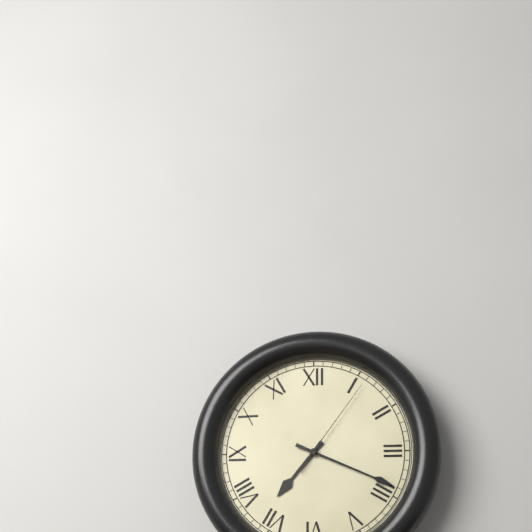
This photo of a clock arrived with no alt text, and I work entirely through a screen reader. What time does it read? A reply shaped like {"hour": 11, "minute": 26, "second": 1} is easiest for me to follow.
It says {"hour": 7, "minute": 19, "second": 6}
